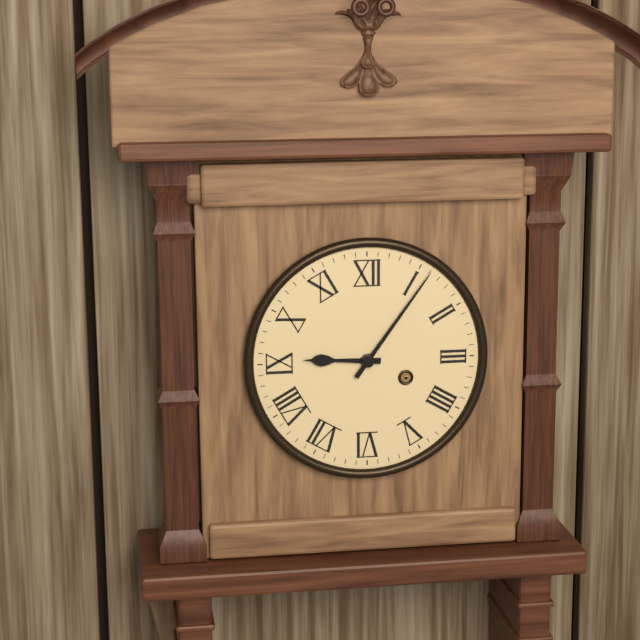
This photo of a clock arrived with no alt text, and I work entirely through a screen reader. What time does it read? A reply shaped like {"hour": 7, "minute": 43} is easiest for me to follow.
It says {"hour": 9, "minute": 6}
